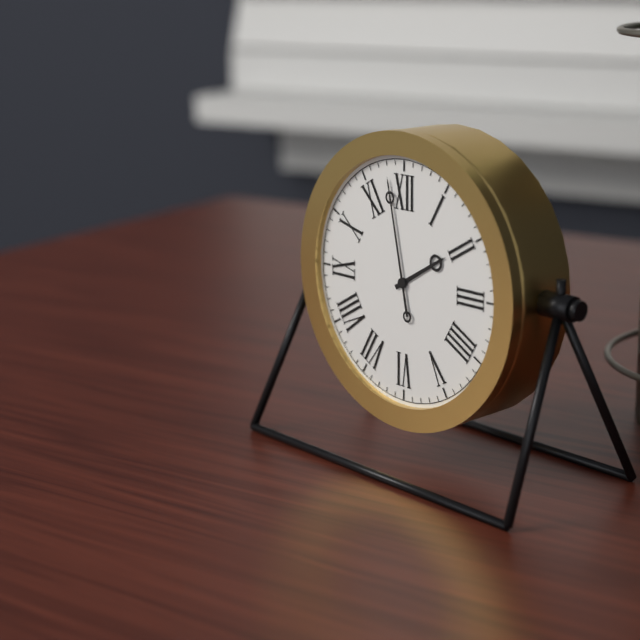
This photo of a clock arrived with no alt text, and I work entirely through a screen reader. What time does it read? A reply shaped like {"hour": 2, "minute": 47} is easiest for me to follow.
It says {"hour": 1, "minute": 58}
